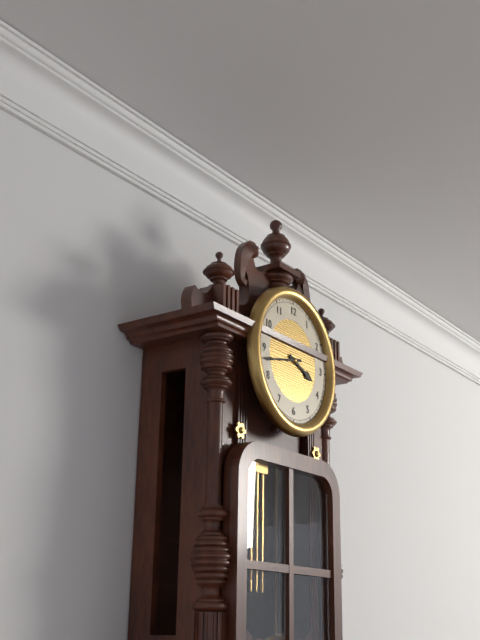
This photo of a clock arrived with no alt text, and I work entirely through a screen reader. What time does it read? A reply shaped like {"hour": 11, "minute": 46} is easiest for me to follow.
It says {"hour": 3, "minute": 43}
